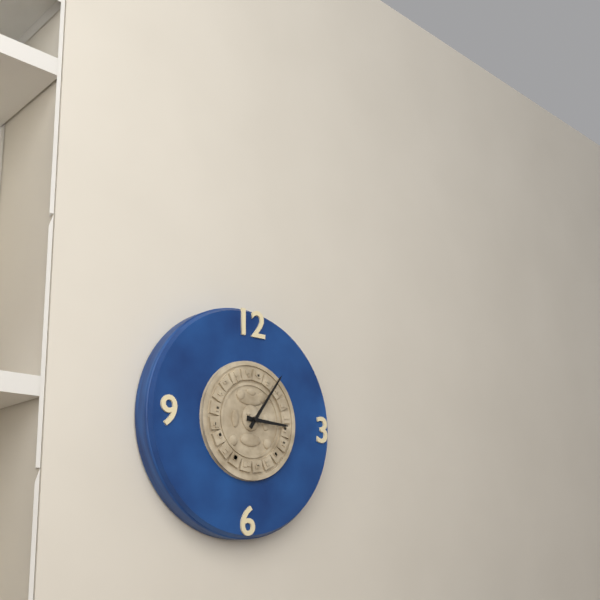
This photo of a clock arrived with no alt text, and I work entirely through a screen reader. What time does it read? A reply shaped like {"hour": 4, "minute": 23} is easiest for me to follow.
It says {"hour": 3, "minute": 6}
